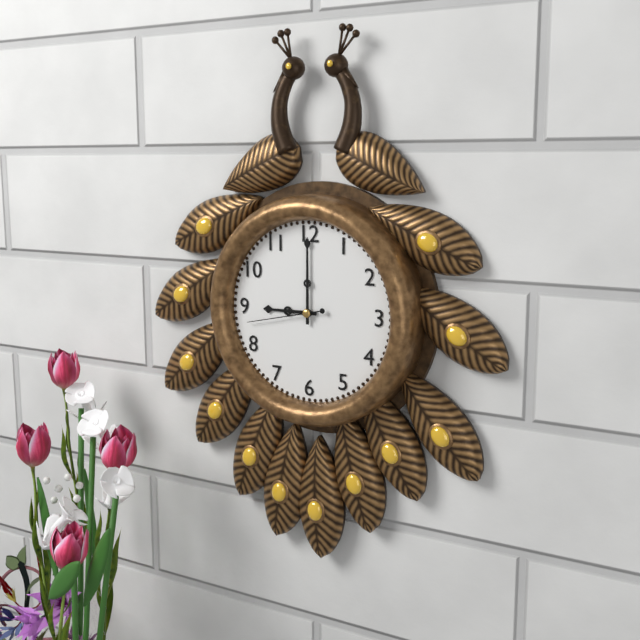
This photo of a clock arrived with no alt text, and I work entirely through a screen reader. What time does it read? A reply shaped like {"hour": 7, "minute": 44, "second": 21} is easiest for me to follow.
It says {"hour": 9, "minute": 0, "second": 43}
